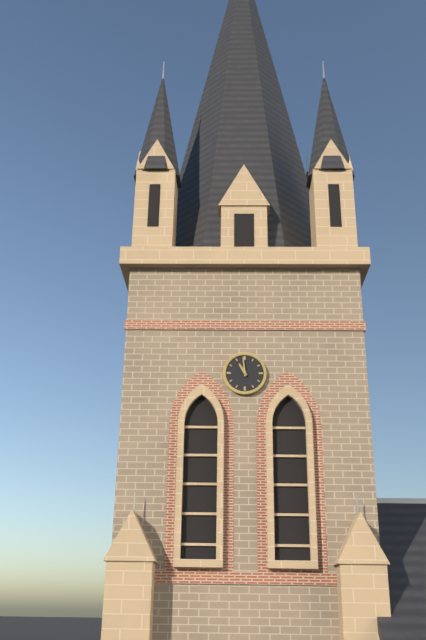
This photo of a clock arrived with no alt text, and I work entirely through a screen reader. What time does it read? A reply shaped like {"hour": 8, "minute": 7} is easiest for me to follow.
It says {"hour": 10, "minute": 59}
